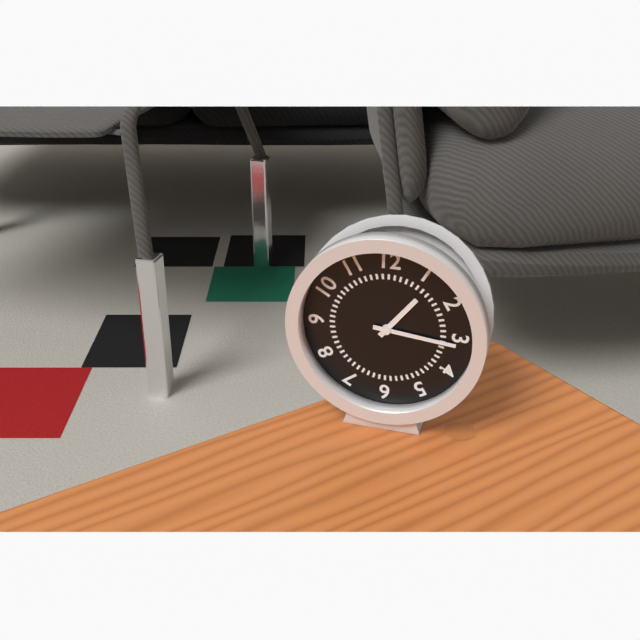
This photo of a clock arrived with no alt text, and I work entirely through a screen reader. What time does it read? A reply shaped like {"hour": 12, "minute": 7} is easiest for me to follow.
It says {"hour": 1, "minute": 16}
